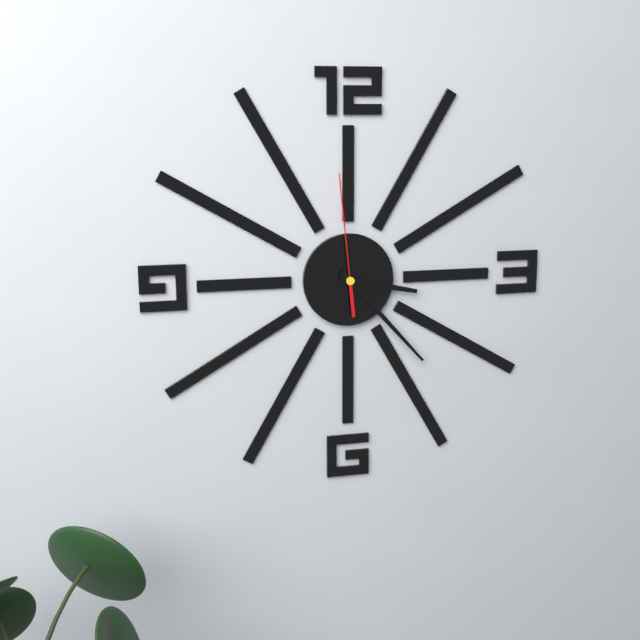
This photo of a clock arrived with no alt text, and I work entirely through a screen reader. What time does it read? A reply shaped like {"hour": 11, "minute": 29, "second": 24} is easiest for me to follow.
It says {"hour": 3, "minute": 23, "second": 59}
